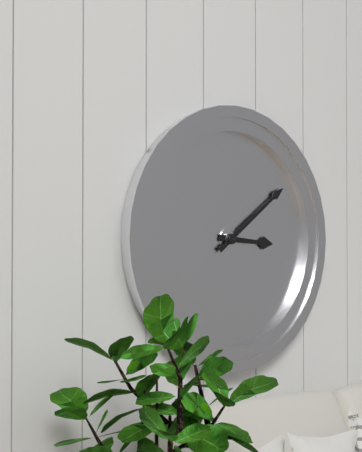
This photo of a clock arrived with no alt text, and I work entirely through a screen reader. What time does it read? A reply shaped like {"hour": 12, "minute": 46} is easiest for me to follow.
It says {"hour": 3, "minute": 9}
